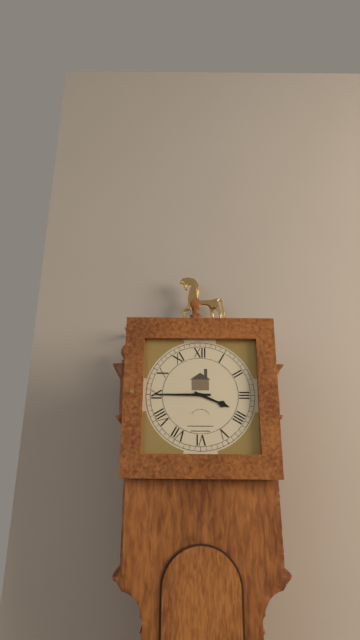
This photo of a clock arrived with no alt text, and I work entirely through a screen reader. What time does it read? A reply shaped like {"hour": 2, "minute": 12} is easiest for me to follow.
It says {"hour": 3, "minute": 45}
